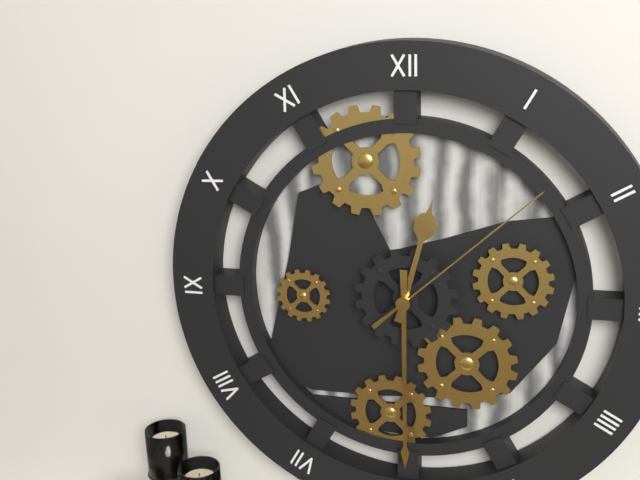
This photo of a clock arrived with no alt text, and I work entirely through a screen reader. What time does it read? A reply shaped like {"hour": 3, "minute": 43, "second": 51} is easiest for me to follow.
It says {"hour": 12, "minute": 30, "second": 8}
